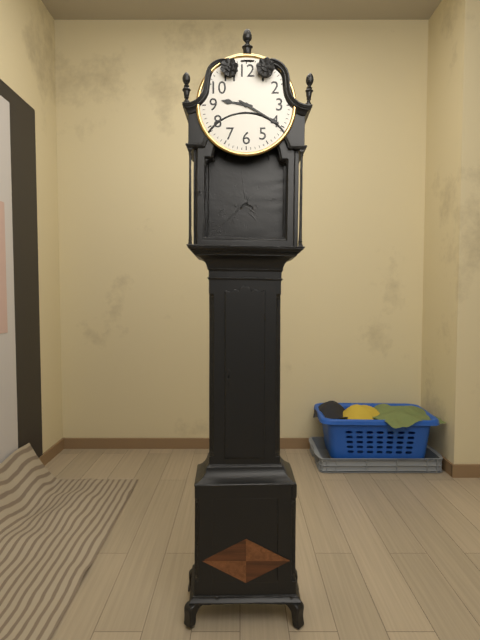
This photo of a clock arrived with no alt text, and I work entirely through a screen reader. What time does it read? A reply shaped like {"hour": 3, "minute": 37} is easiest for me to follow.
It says {"hour": 9, "minute": 20}
